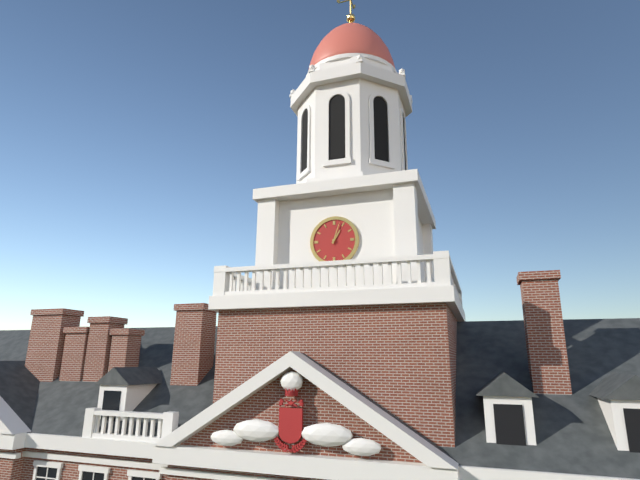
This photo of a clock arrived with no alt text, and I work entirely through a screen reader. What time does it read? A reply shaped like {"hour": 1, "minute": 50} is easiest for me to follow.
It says {"hour": 1, "minute": 3}
